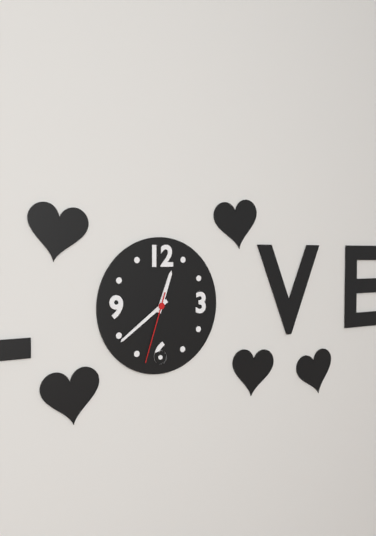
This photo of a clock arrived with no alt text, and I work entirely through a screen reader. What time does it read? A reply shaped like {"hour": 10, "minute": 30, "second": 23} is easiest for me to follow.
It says {"hour": 12, "minute": 39, "second": 33}
